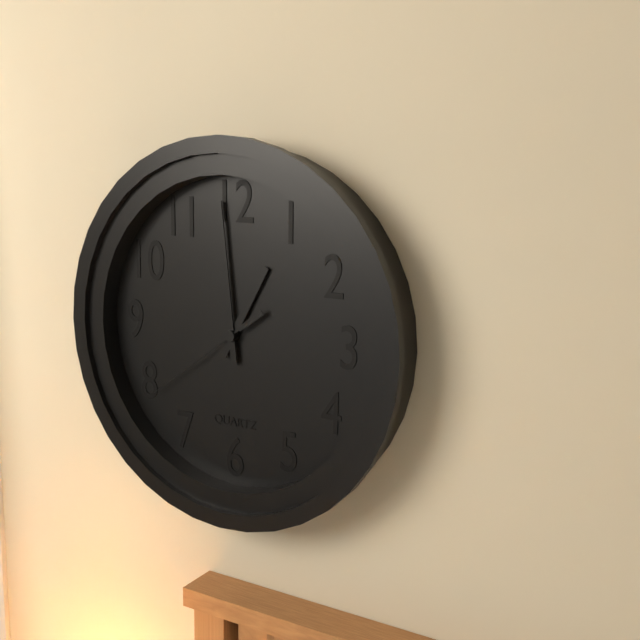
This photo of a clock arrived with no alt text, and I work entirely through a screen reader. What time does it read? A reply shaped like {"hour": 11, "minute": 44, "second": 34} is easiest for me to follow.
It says {"hour": 12, "minute": 59, "second": 39}
